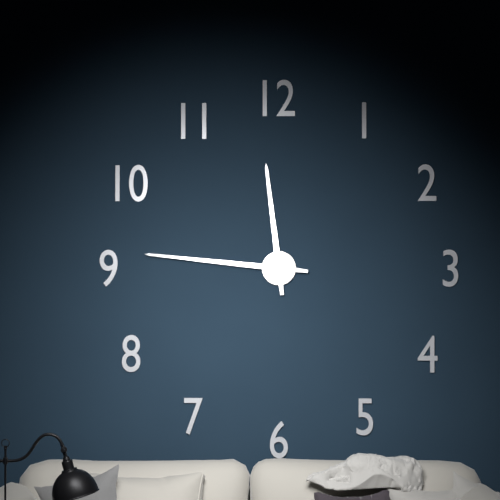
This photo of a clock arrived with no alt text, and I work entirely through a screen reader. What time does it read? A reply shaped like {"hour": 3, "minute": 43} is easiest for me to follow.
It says {"hour": 11, "minute": 46}
